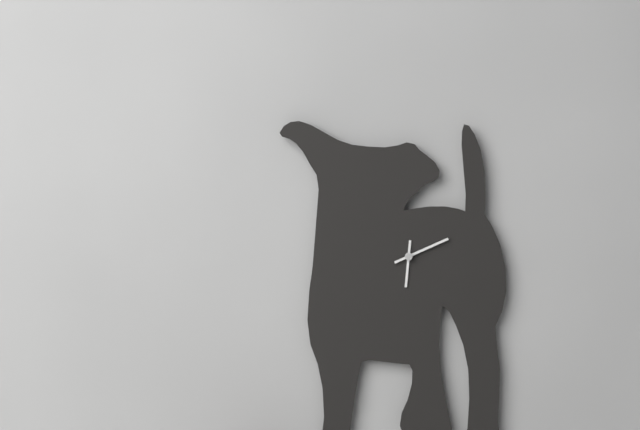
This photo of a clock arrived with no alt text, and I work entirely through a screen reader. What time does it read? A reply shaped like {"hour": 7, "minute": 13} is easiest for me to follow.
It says {"hour": 6, "minute": 11}
